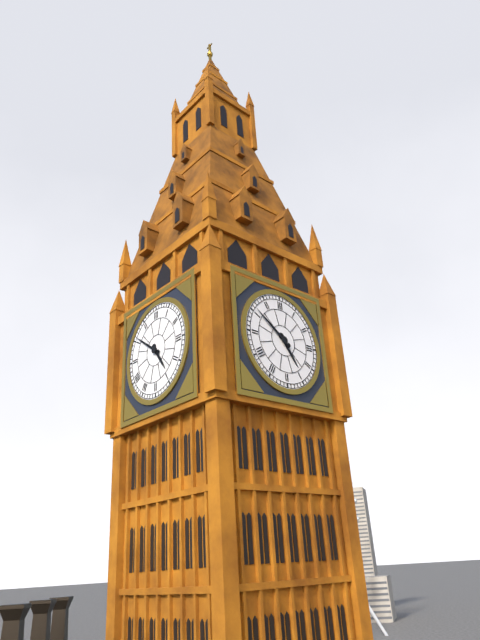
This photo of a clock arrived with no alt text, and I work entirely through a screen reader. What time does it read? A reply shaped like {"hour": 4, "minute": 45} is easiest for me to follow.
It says {"hour": 4, "minute": 51}
